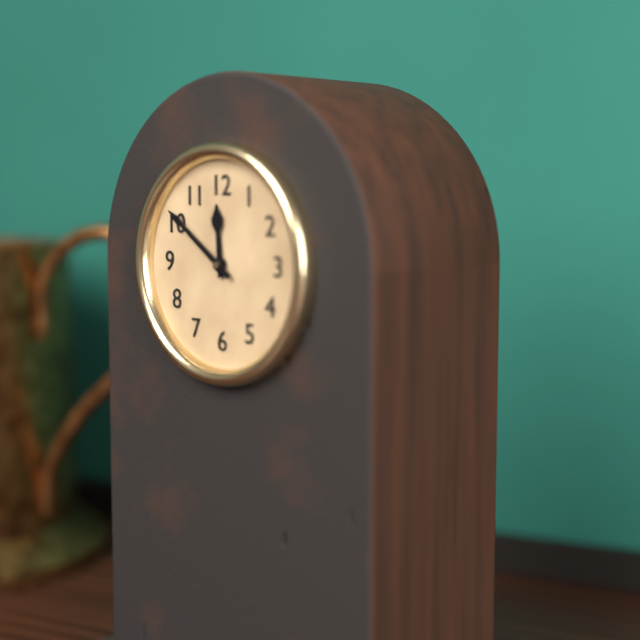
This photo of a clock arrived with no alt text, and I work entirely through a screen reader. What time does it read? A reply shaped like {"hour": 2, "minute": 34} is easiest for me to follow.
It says {"hour": 11, "minute": 51}
